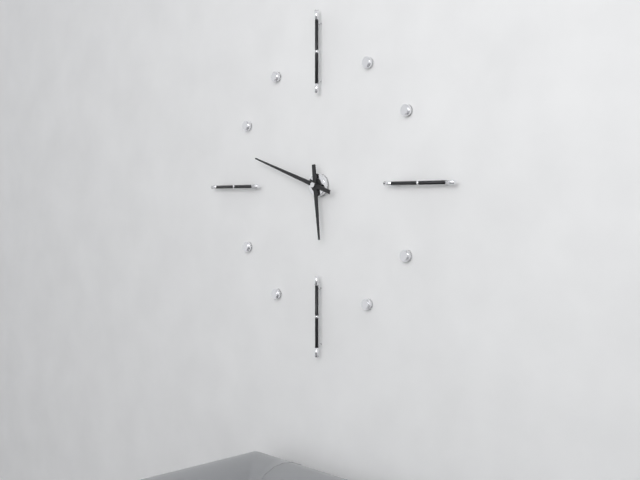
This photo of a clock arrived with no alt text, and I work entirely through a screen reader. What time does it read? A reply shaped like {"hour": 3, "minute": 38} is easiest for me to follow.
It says {"hour": 5, "minute": 48}
